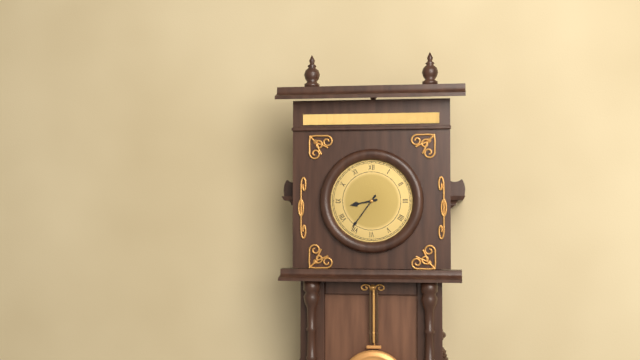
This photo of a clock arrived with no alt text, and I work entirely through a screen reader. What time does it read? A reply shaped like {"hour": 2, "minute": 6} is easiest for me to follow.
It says {"hour": 8, "minute": 36}
